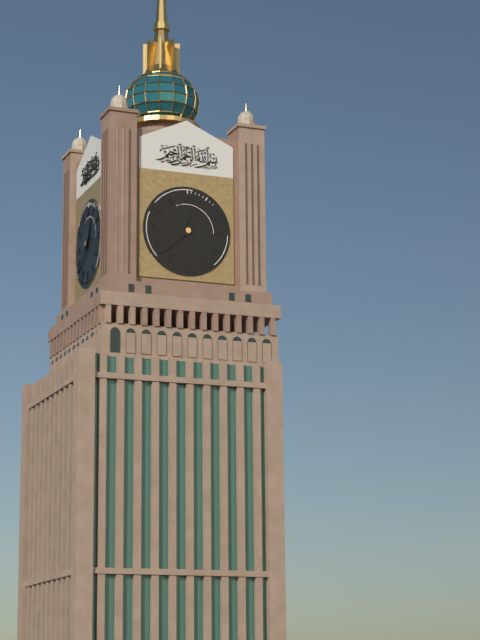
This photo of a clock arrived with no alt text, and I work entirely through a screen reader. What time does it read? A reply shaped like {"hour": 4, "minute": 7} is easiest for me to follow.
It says {"hour": 12, "minute": 38}
